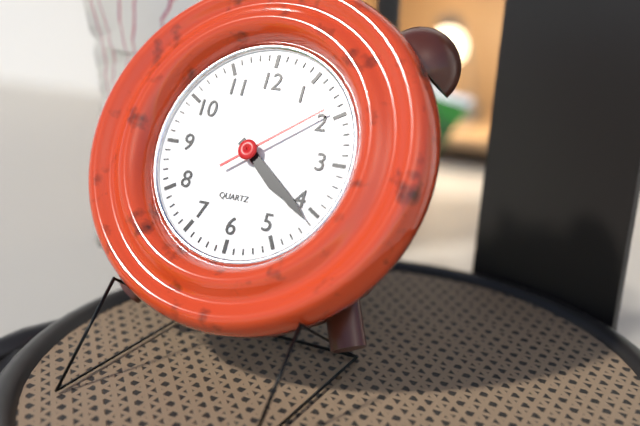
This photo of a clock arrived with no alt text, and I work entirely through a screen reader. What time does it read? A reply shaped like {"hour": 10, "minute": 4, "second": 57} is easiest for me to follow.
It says {"hour": 4, "minute": 21, "second": 9}
